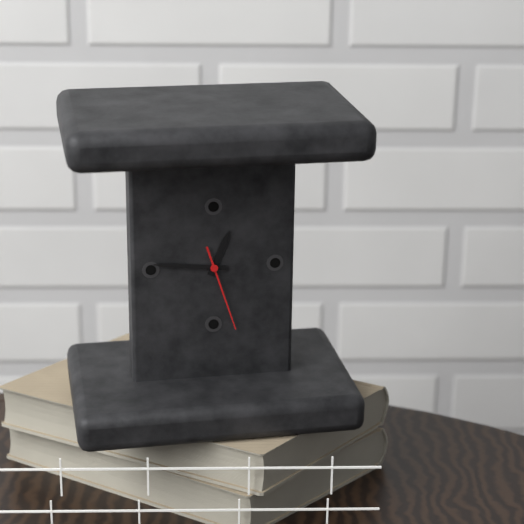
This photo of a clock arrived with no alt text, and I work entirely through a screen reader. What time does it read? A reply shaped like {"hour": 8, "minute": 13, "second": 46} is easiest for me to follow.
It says {"hour": 12, "minute": 46, "second": 27}
